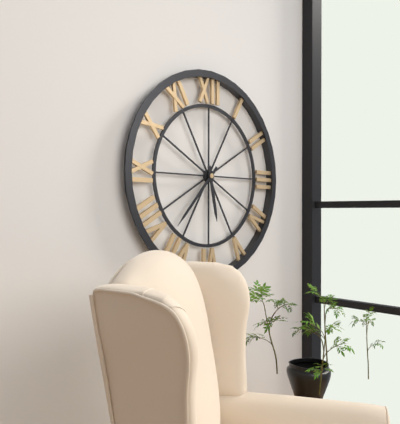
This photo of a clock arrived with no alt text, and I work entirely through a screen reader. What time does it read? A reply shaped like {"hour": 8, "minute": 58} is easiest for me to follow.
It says {"hour": 5, "minute": 37}
